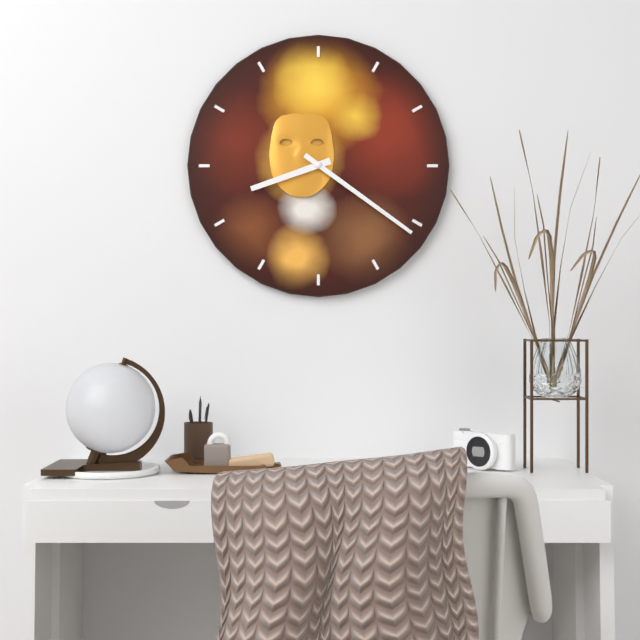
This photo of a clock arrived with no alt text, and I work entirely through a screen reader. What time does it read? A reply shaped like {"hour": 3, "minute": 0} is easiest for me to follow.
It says {"hour": 8, "minute": 21}
